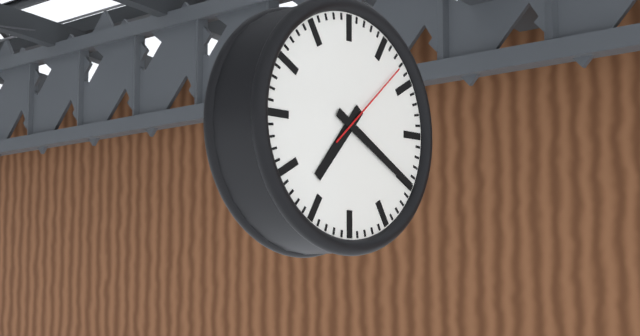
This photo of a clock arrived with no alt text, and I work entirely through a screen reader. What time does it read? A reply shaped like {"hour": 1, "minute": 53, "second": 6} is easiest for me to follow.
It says {"hour": 7, "minute": 20, "second": 8}
